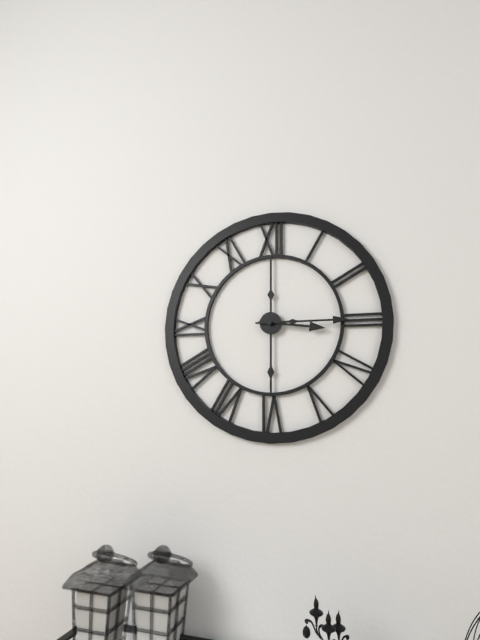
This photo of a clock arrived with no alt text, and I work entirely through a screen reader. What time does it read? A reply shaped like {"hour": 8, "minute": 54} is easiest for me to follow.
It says {"hour": 3, "minute": 15}
